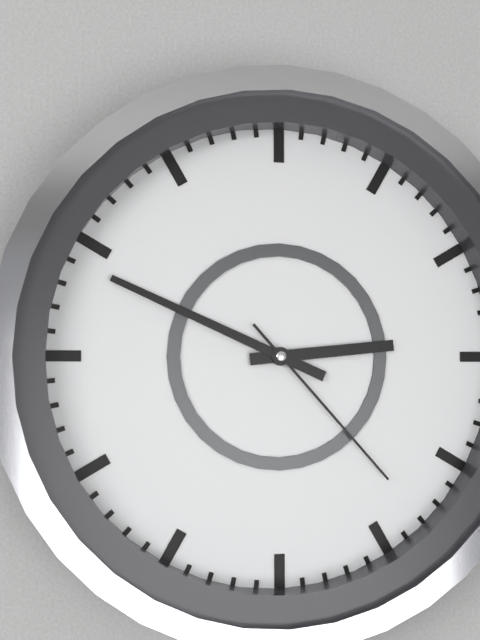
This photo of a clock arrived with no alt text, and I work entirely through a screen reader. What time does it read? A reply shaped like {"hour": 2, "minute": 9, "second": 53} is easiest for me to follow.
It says {"hour": 2, "minute": 49, "second": 23}
